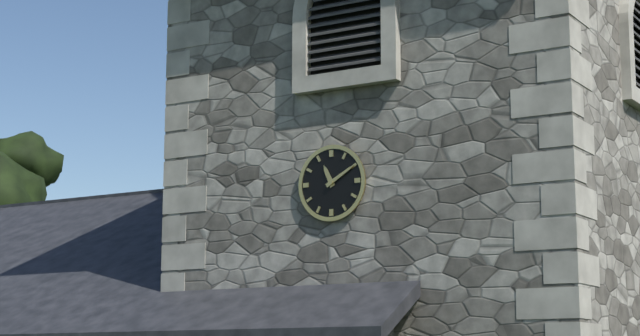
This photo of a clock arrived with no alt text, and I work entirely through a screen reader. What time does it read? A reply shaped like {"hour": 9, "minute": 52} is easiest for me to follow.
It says {"hour": 11, "minute": 10}
